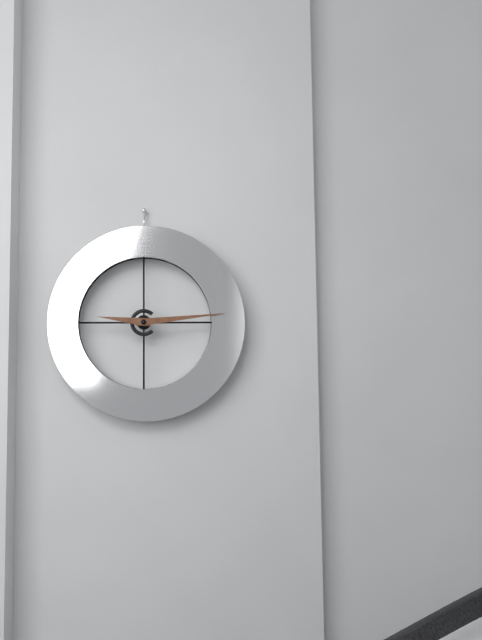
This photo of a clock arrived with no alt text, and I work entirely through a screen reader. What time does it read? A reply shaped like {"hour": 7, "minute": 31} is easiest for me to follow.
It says {"hour": 9, "minute": 14}
